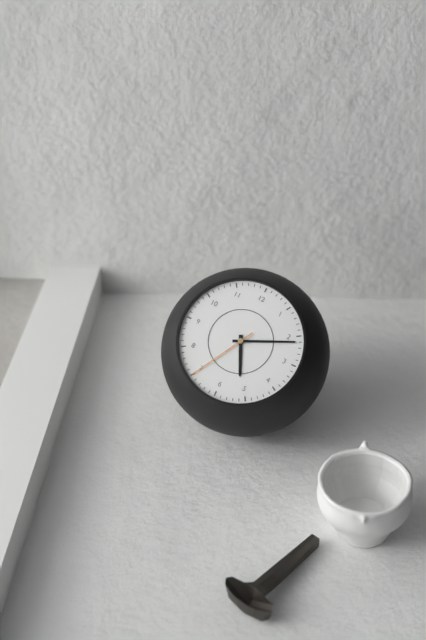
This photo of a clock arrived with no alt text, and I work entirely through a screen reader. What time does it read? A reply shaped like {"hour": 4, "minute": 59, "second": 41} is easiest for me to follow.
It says {"hour": 5, "minute": 11, "second": 35}
